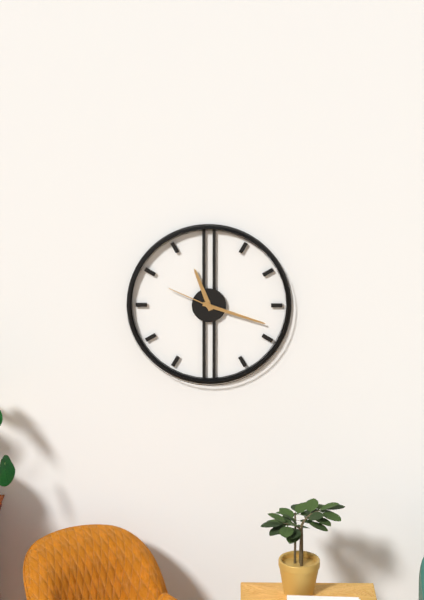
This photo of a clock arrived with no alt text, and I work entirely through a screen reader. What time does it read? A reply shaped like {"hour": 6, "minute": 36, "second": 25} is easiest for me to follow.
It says {"hour": 11, "minute": 18, "second": 49}
